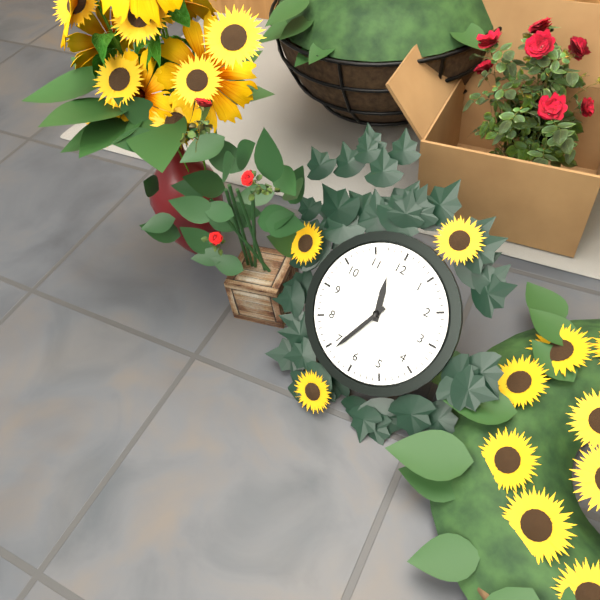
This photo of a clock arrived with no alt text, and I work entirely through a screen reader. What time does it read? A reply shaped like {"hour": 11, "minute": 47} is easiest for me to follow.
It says {"hour": 11, "minute": 34}
